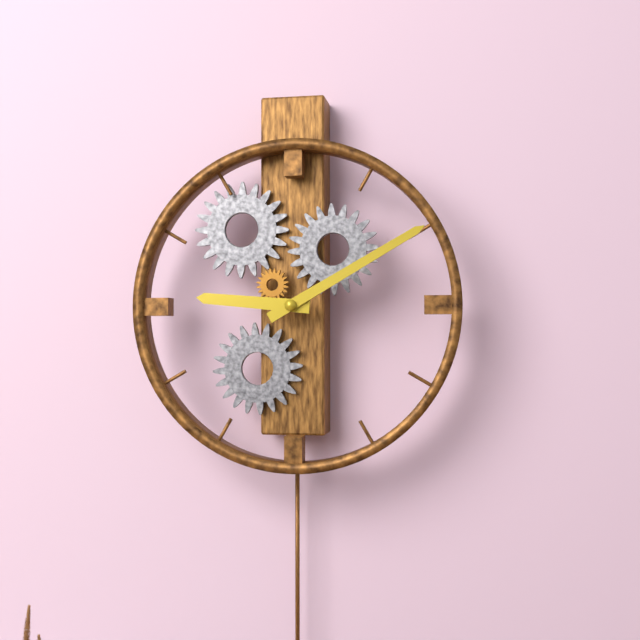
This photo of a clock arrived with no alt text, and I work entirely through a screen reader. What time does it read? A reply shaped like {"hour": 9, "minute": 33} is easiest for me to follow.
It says {"hour": 9, "minute": 10}
